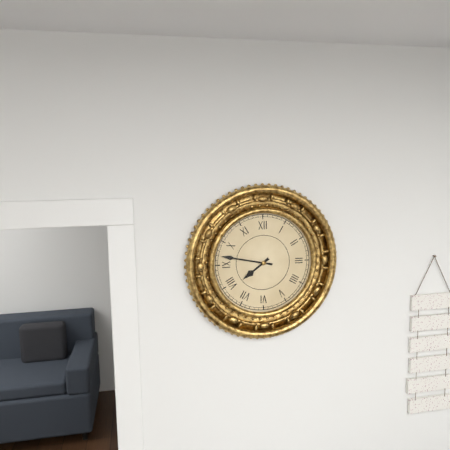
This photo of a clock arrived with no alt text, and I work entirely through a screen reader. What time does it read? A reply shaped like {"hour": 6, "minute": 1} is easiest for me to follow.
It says {"hour": 7, "minute": 47}
